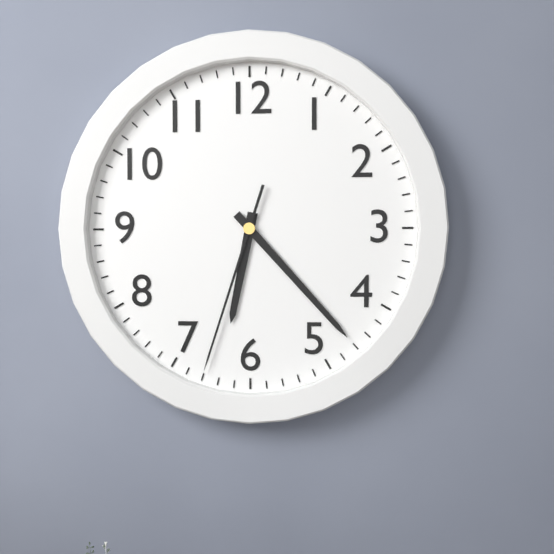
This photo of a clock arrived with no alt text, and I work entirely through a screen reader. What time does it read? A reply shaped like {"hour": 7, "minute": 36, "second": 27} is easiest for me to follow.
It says {"hour": 6, "minute": 23, "second": 33}
